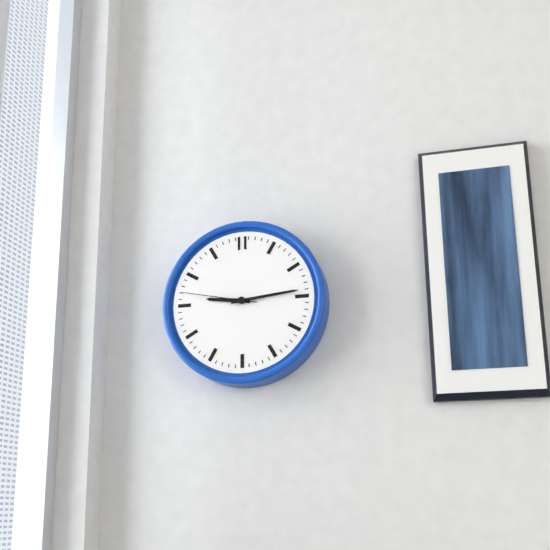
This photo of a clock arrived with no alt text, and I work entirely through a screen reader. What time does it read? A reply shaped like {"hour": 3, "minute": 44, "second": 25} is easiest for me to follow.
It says {"hour": 9, "minute": 14, "second": 47}
